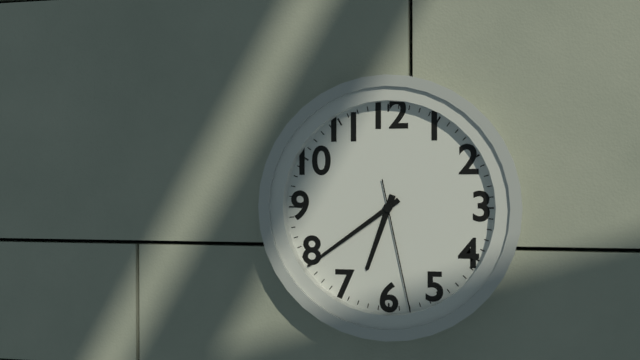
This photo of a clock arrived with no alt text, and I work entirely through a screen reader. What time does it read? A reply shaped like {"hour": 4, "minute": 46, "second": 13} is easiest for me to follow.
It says {"hour": 6, "minute": 39, "second": 28}
